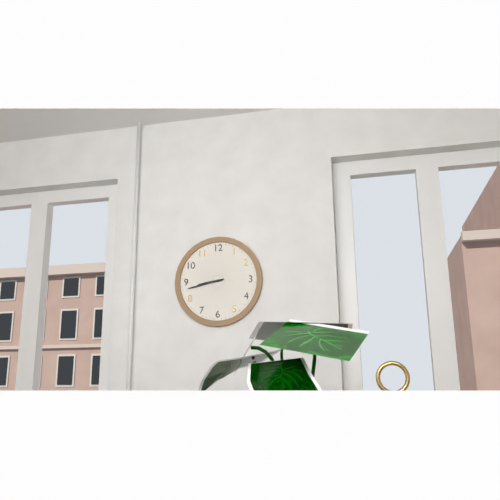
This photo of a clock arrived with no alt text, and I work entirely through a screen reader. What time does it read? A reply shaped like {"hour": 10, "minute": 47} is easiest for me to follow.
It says {"hour": 8, "minute": 43}
